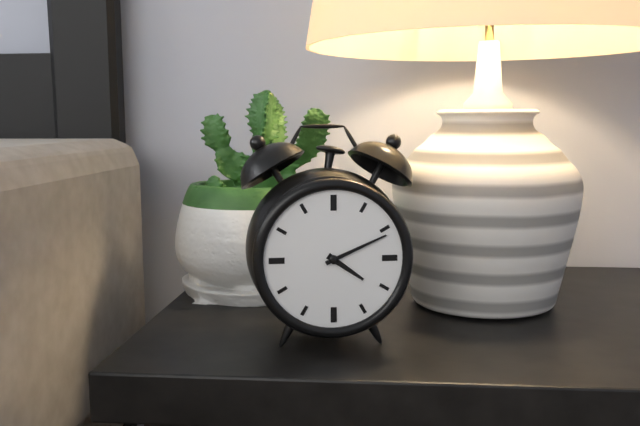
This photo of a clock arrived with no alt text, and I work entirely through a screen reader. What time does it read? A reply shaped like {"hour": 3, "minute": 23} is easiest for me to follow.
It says {"hour": 4, "minute": 11}
